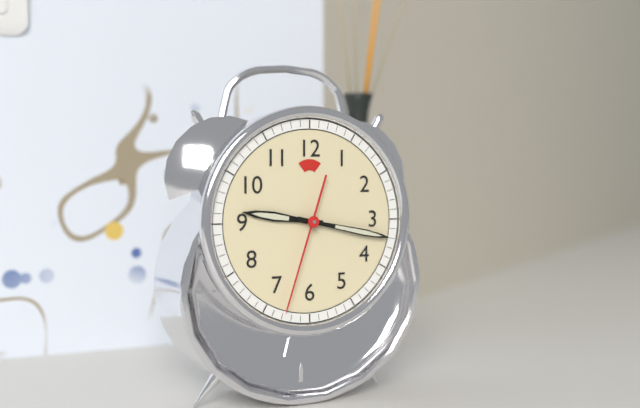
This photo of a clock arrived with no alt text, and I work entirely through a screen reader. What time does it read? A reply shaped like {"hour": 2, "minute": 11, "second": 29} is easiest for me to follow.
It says {"hour": 9, "minute": 17, "second": 33}
